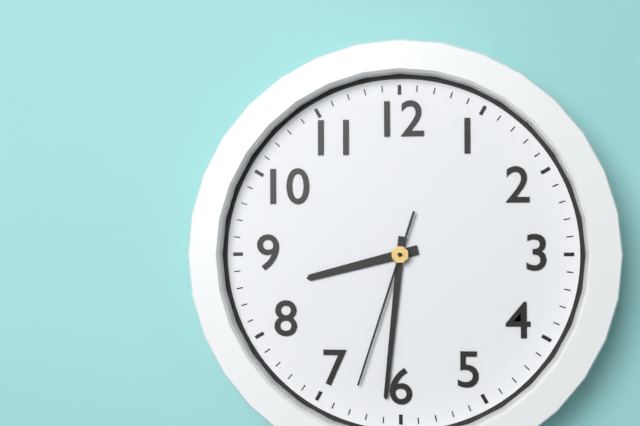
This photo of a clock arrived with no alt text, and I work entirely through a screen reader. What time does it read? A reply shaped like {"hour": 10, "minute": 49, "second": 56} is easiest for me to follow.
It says {"hour": 8, "minute": 31, "second": 33}
